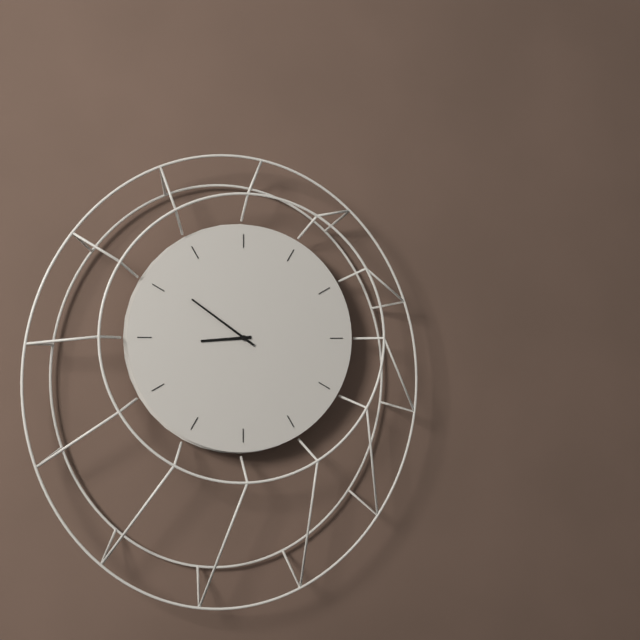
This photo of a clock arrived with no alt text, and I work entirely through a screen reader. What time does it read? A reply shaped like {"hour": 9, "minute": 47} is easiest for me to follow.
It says {"hour": 8, "minute": 51}
